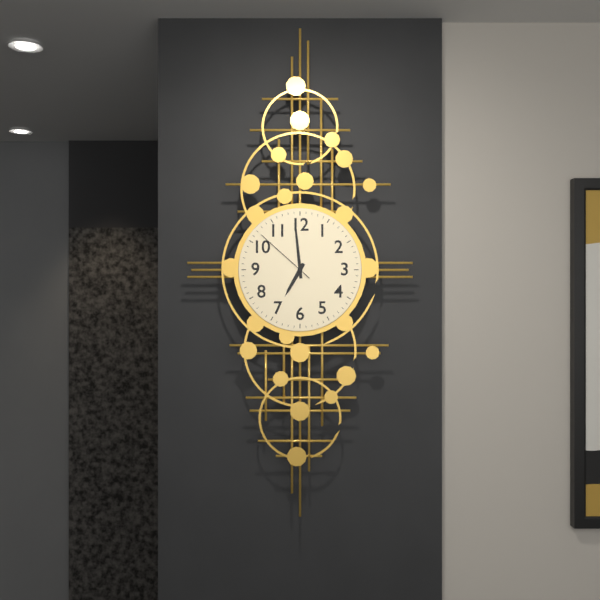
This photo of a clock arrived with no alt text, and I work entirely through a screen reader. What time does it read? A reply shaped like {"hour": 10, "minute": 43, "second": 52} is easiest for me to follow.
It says {"hour": 6, "minute": 59, "second": 52}
